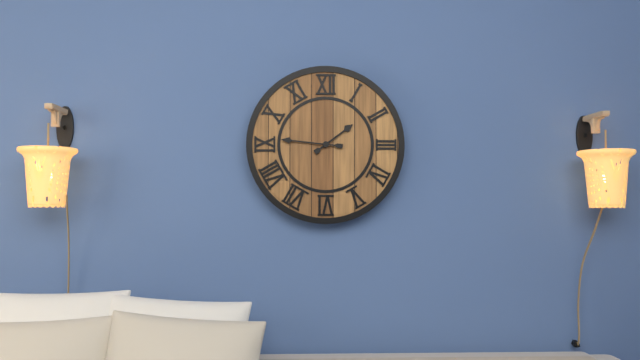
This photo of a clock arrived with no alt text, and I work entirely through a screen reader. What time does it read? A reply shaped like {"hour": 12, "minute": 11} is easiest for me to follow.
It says {"hour": 1, "minute": 46}
